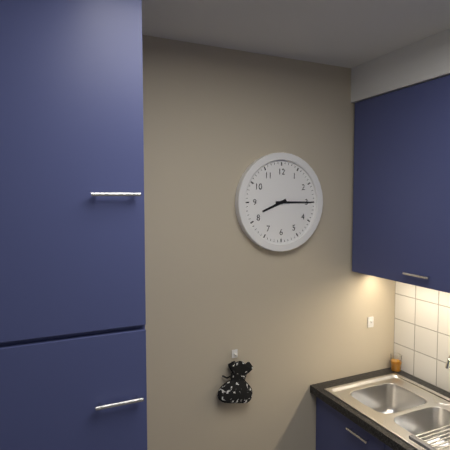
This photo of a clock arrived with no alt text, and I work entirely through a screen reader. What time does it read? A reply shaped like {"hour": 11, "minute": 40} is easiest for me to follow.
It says {"hour": 8, "minute": 15}
